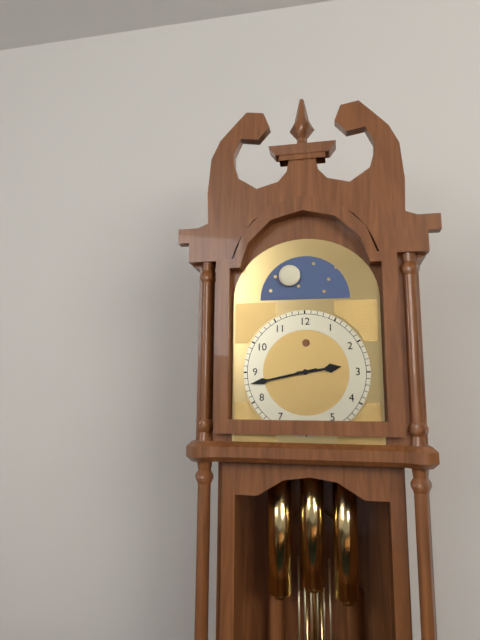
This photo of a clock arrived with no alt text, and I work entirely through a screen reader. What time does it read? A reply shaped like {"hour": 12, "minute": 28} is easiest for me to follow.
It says {"hour": 2, "minute": 43}
